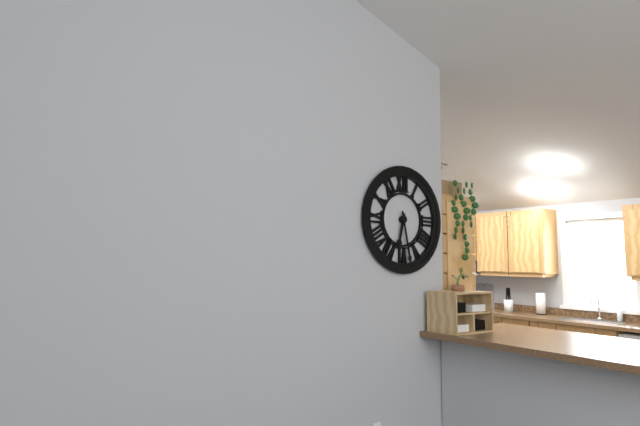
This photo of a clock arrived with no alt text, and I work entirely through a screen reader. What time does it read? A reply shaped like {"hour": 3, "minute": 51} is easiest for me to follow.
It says {"hour": 6, "minute": 28}
